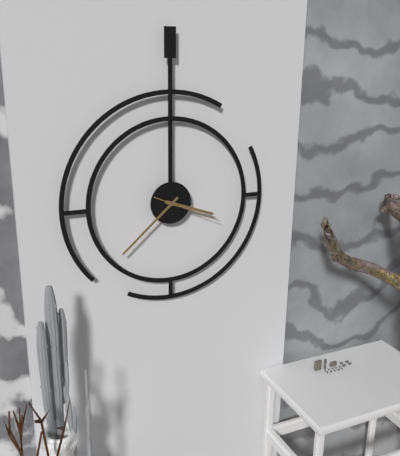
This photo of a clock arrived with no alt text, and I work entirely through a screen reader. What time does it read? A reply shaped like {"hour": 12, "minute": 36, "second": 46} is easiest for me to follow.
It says {"hour": 3, "minute": 38, "second": 19}
